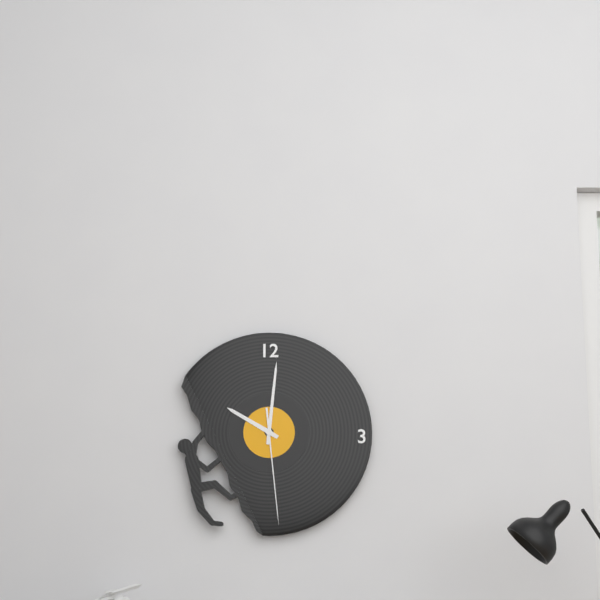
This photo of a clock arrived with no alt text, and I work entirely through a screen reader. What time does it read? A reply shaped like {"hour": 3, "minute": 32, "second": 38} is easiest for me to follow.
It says {"hour": 10, "minute": 1, "second": 29}
